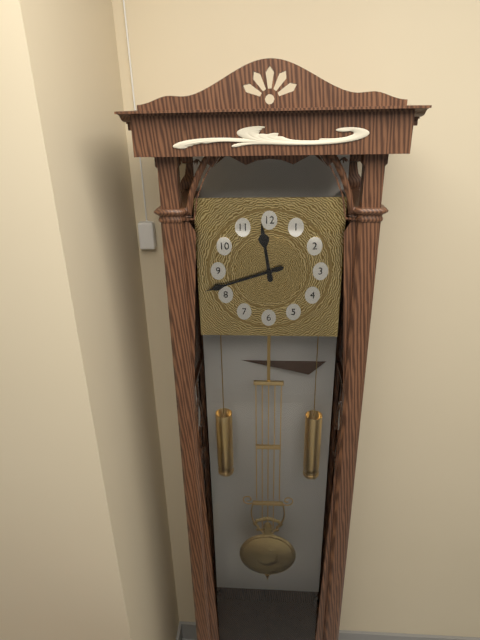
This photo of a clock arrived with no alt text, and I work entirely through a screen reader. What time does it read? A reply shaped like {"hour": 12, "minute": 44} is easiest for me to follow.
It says {"hour": 11, "minute": 42}
